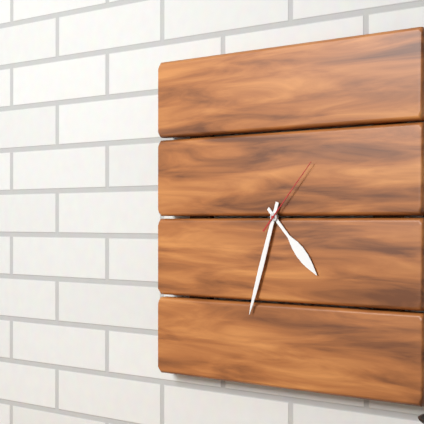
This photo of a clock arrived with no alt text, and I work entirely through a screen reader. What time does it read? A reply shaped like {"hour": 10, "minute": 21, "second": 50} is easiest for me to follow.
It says {"hour": 4, "minute": 33, "second": 7}
